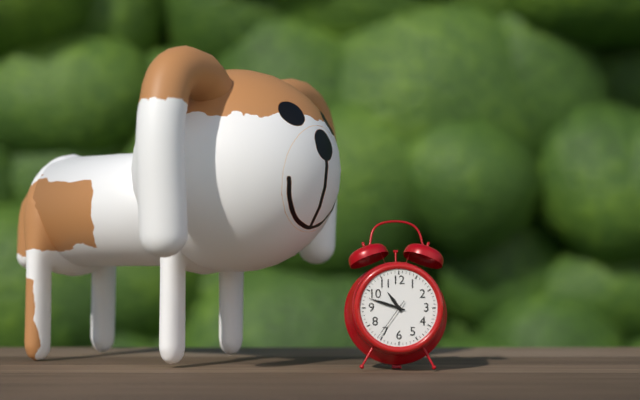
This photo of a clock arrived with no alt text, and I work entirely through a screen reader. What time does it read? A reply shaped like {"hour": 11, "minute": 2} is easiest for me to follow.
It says {"hour": 10, "minute": 48}
